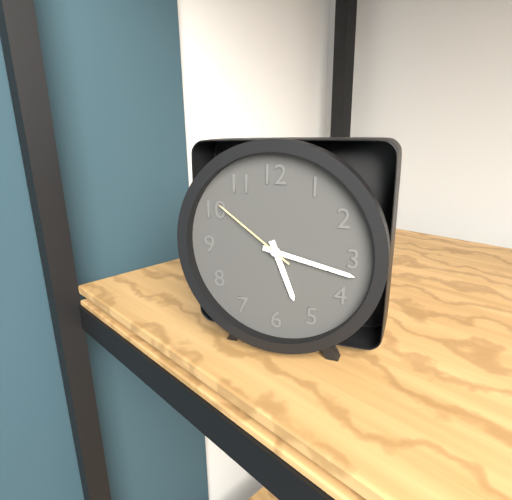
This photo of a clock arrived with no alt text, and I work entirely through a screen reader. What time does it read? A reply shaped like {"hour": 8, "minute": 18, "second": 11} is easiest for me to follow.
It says {"hour": 5, "minute": 17, "second": 51}
